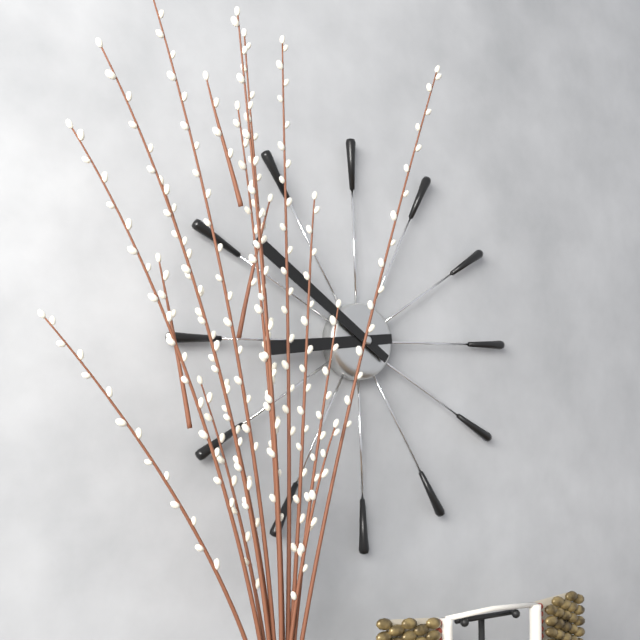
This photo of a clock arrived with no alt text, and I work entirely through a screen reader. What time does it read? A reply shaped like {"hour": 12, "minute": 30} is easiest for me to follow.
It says {"hour": 8, "minute": 51}
